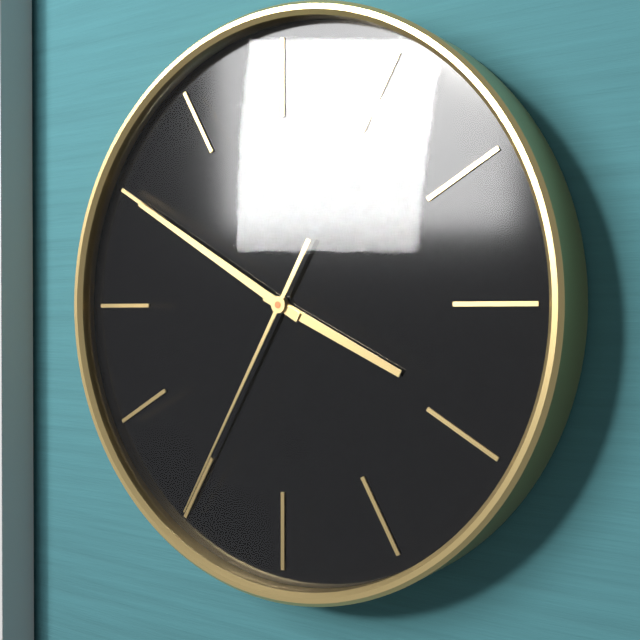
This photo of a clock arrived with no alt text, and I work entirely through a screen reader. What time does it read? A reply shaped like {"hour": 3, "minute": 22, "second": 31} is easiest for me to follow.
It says {"hour": 3, "minute": 50, "second": 35}
